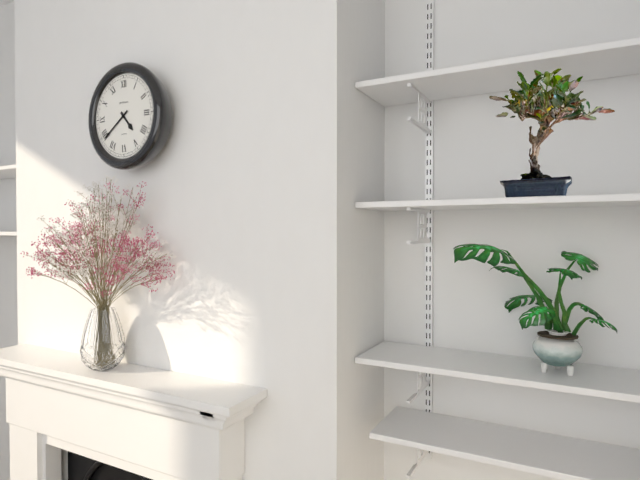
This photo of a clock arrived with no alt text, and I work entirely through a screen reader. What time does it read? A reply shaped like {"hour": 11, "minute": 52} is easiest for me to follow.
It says {"hour": 4, "minute": 39}
